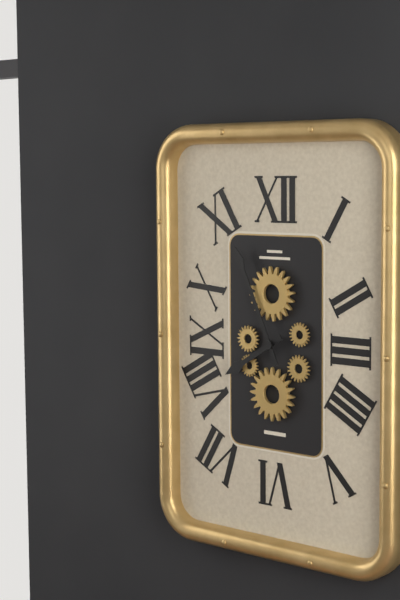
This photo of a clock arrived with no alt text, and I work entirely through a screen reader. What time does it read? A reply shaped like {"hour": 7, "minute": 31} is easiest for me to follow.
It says {"hour": 7, "minute": 56}
